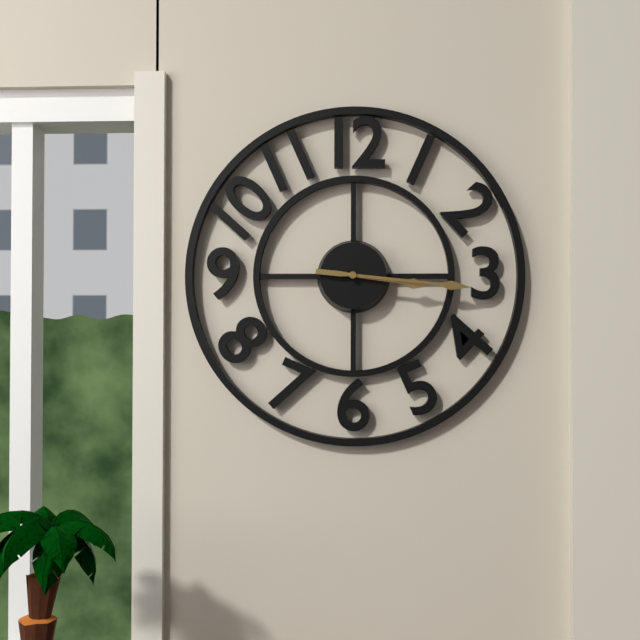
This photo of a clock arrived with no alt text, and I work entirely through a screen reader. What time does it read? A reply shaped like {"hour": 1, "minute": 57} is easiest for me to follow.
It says {"hour": 3, "minute": 16}
